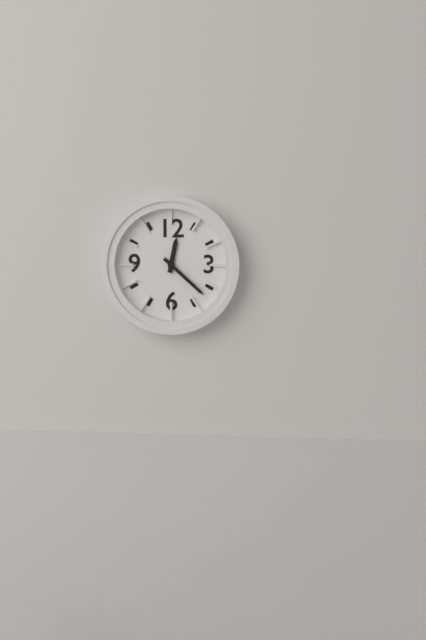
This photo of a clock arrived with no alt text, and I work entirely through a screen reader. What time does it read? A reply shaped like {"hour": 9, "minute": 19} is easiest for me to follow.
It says {"hour": 12, "minute": 22}
